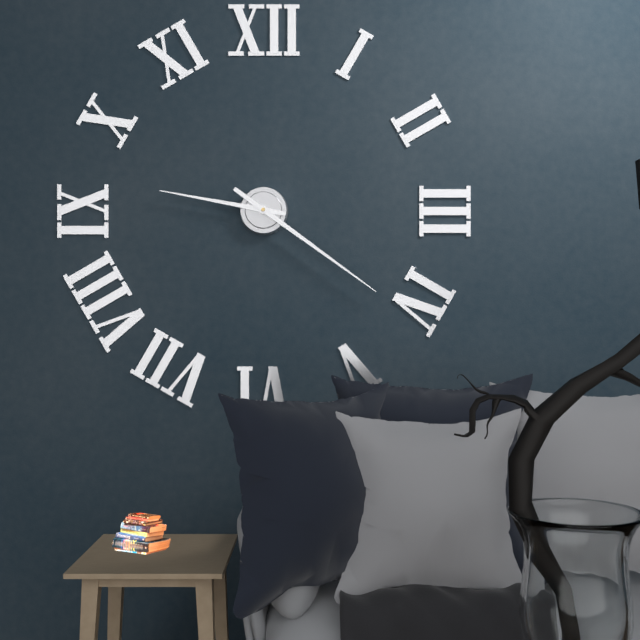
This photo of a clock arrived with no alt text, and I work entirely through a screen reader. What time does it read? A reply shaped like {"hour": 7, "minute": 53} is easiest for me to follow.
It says {"hour": 9, "minute": 21}
